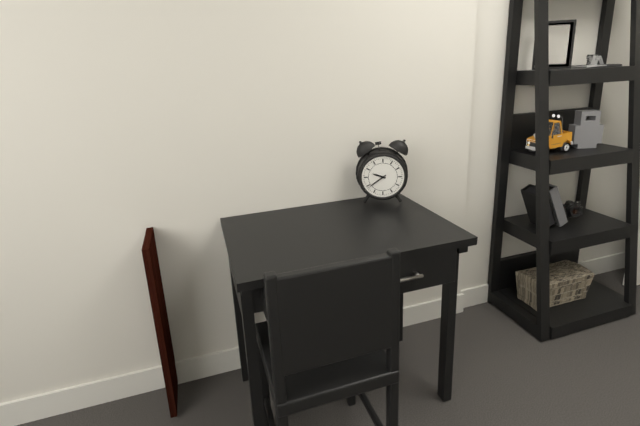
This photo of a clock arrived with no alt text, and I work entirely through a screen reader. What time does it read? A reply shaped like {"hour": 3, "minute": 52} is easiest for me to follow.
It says {"hour": 9, "minute": 39}
